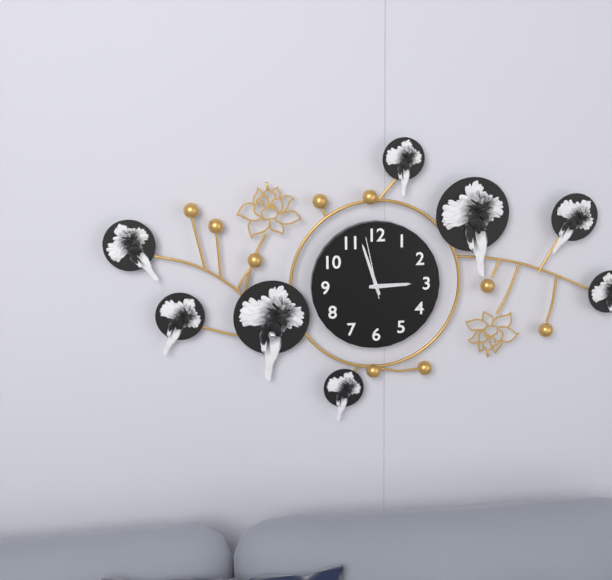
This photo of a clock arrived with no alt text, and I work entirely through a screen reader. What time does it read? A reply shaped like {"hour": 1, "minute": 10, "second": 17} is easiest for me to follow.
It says {"hour": 2, "minute": 57, "second": 58}
